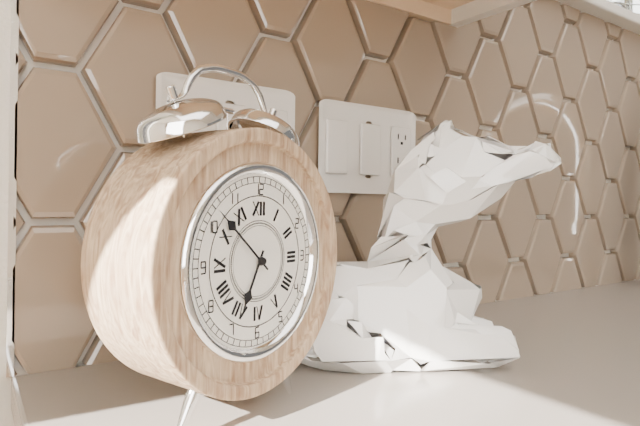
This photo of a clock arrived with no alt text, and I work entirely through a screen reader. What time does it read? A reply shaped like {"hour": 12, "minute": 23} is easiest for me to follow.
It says {"hour": 6, "minute": 52}
